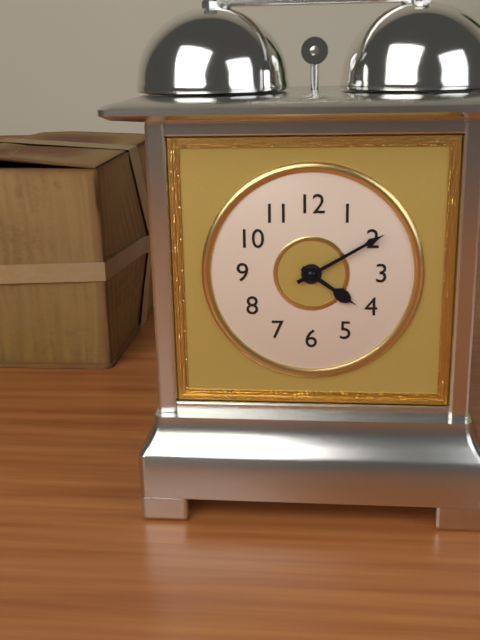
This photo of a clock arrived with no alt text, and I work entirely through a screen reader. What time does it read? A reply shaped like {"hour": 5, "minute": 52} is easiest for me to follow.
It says {"hour": 4, "minute": 10}
